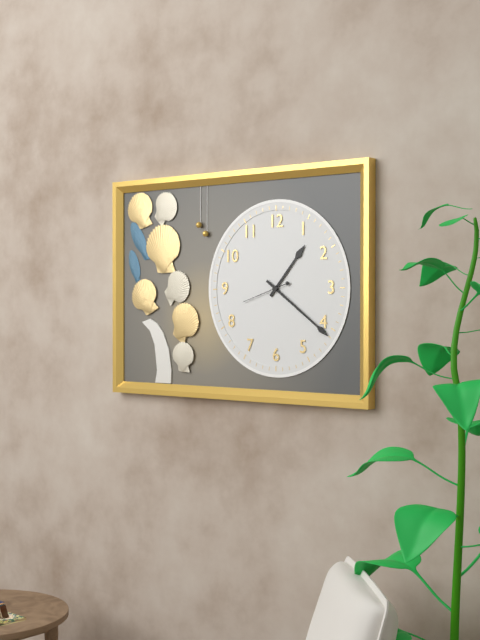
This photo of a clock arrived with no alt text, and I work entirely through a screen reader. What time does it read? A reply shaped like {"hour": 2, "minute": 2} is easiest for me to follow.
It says {"hour": 1, "minute": 21}
